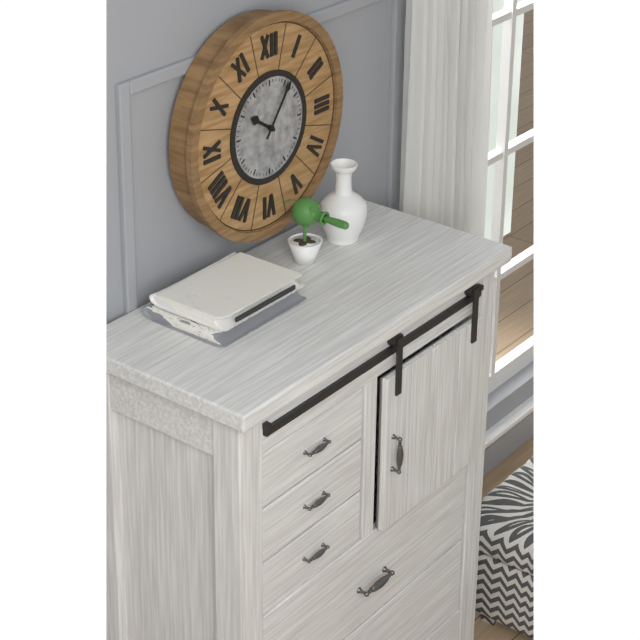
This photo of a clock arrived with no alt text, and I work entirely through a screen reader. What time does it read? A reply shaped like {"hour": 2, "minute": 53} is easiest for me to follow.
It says {"hour": 10, "minute": 6}
